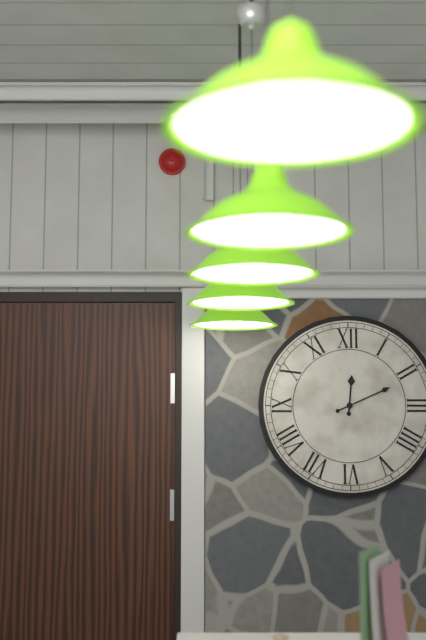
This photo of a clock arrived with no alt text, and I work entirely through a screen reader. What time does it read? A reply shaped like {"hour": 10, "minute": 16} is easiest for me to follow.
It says {"hour": 12, "minute": 11}
